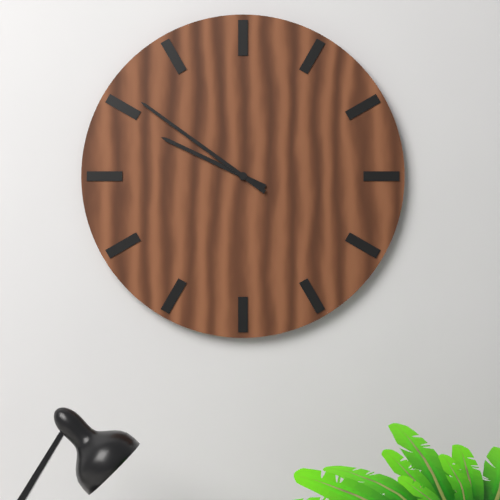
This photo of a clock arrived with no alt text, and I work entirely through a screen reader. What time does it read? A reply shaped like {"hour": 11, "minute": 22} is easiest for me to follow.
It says {"hour": 9, "minute": 51}
